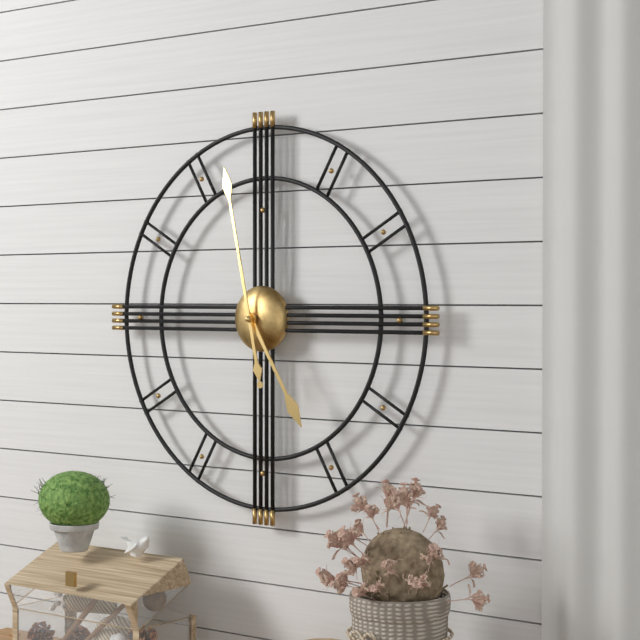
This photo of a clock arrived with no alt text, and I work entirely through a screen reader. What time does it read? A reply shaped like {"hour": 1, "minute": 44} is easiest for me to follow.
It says {"hour": 4, "minute": 58}
